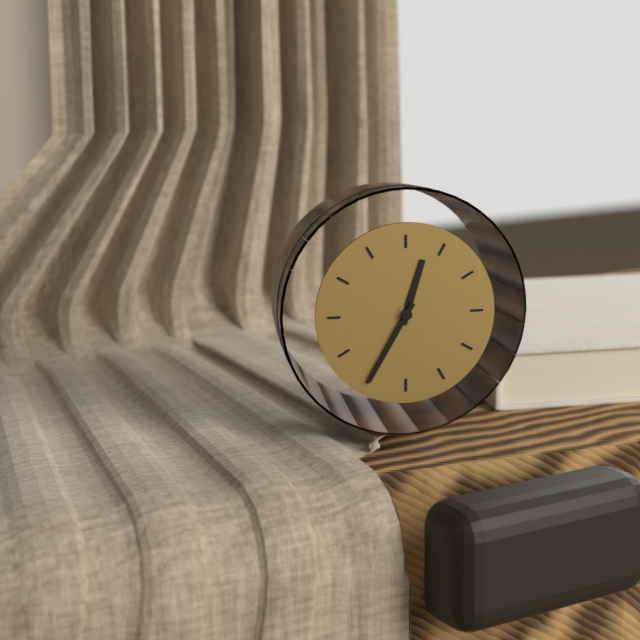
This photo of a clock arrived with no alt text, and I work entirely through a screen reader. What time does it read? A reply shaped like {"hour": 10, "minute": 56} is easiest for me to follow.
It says {"hour": 12, "minute": 35}
